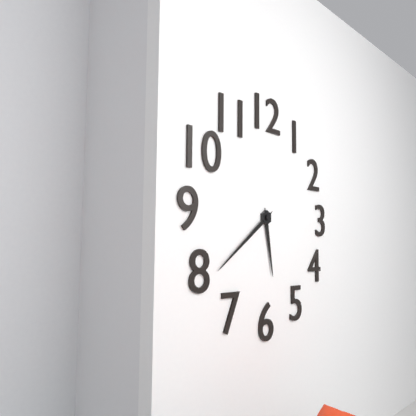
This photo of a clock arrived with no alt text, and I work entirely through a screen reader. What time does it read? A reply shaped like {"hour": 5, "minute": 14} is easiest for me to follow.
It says {"hour": 5, "minute": 39}
